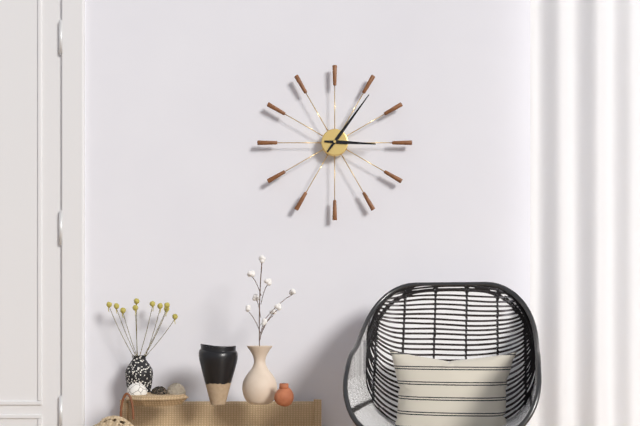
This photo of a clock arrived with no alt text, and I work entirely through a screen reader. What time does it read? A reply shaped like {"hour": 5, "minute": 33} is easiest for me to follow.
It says {"hour": 3, "minute": 6}
